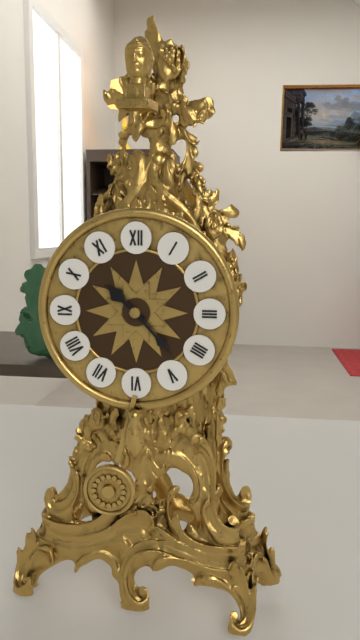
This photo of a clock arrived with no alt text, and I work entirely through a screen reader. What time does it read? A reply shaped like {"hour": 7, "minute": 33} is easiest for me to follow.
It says {"hour": 10, "minute": 23}
